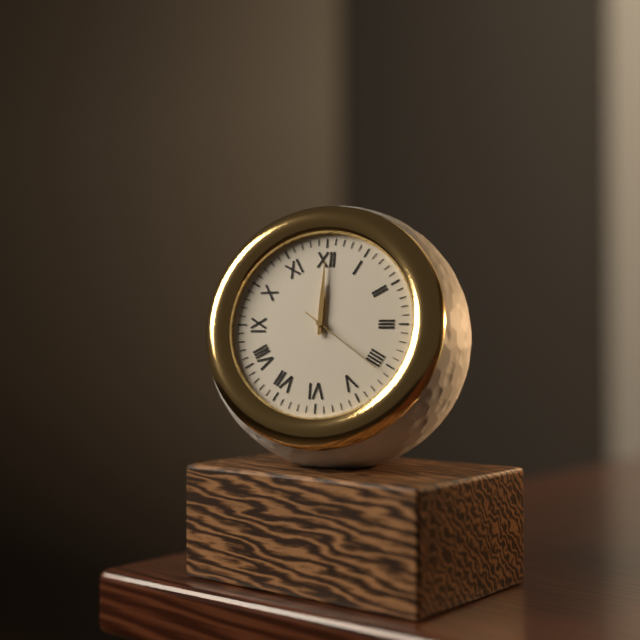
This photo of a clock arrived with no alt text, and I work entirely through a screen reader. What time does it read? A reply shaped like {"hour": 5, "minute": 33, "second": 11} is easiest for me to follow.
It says {"hour": 12, "minute": 0, "second": 21}
